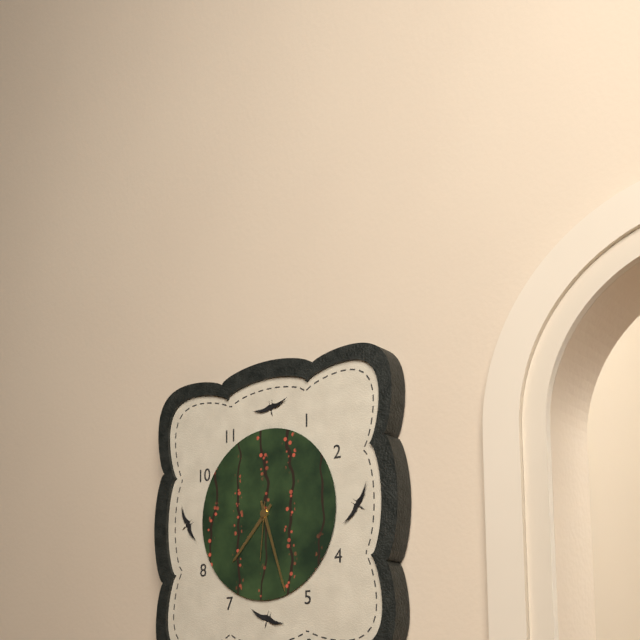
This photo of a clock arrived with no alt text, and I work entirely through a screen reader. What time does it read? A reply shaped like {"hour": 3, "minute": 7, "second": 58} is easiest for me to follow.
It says {"hour": 7, "minute": 27, "second": 31}
